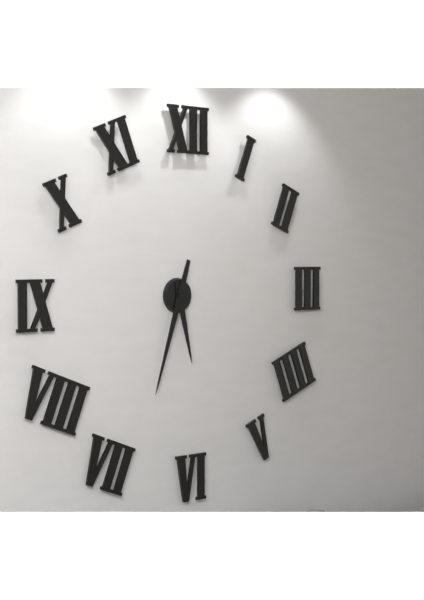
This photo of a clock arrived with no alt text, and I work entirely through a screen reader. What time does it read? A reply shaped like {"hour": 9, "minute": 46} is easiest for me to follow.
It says {"hour": 5, "minute": 33}
